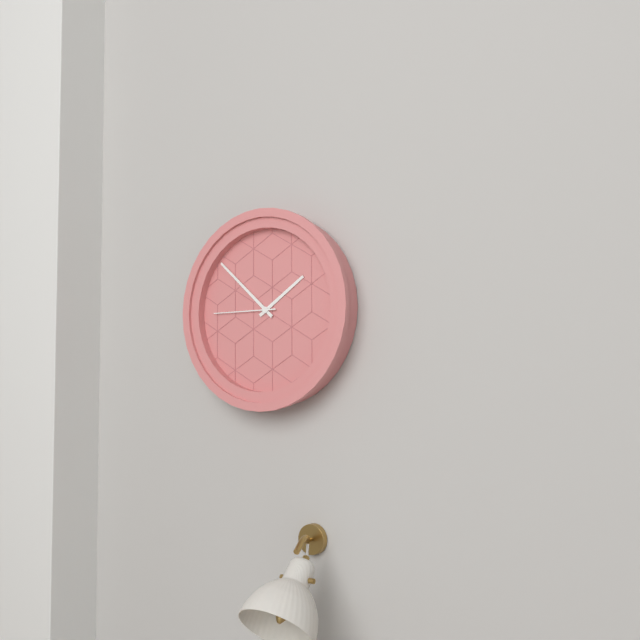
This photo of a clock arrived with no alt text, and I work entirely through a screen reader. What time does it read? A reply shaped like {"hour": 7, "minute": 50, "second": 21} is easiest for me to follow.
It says {"hour": 1, "minute": 52, "second": 45}
